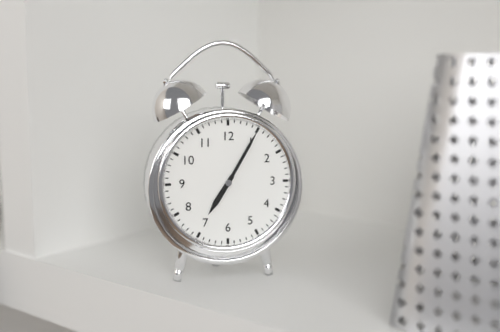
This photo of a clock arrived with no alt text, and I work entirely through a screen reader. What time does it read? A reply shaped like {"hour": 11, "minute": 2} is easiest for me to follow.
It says {"hour": 7, "minute": 5}
